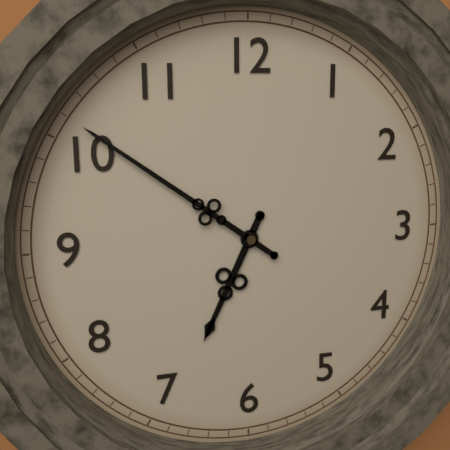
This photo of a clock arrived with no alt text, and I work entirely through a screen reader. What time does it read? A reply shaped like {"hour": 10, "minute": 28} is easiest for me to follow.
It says {"hour": 6, "minute": 51}
